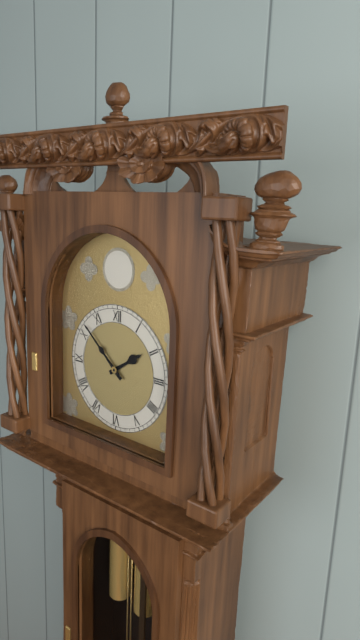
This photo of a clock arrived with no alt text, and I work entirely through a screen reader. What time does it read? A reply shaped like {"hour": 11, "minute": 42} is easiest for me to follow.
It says {"hour": 1, "minute": 52}
